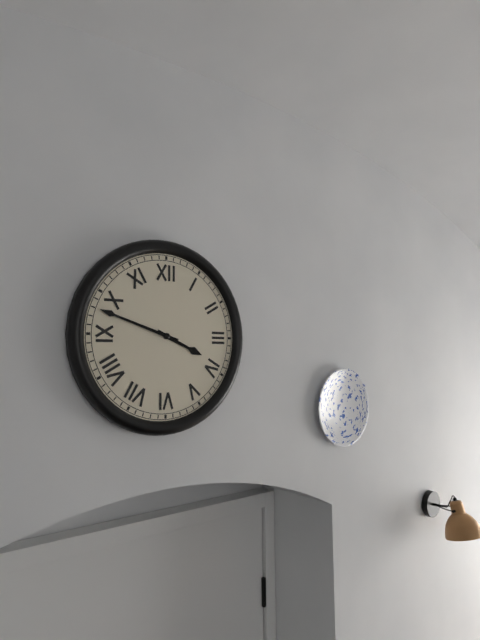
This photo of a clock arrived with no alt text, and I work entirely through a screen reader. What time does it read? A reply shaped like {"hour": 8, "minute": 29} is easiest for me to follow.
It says {"hour": 3, "minute": 48}
